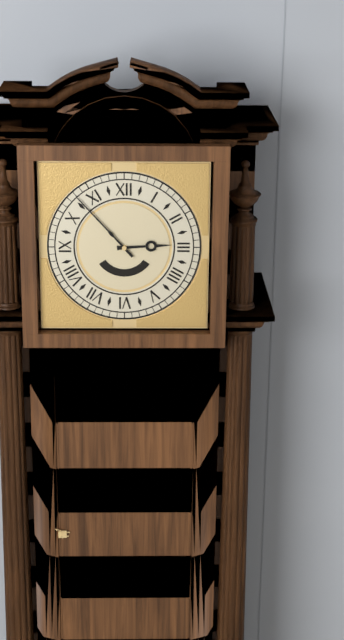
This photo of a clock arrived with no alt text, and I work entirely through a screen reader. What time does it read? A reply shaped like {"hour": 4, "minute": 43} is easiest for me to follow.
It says {"hour": 2, "minute": 53}
